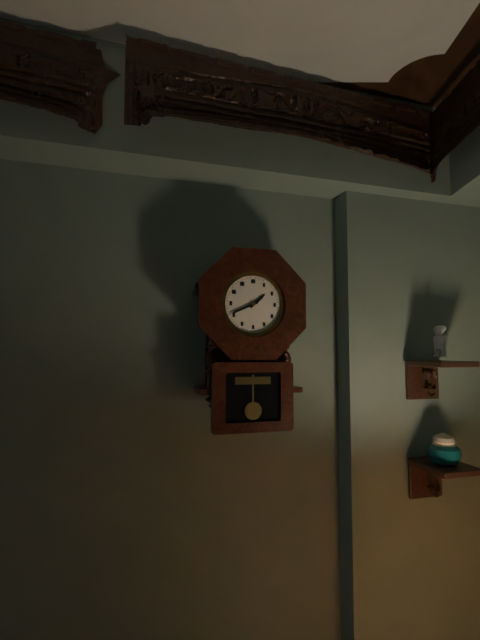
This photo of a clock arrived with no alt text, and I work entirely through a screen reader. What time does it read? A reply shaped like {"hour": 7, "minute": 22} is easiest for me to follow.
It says {"hour": 1, "minute": 41}
